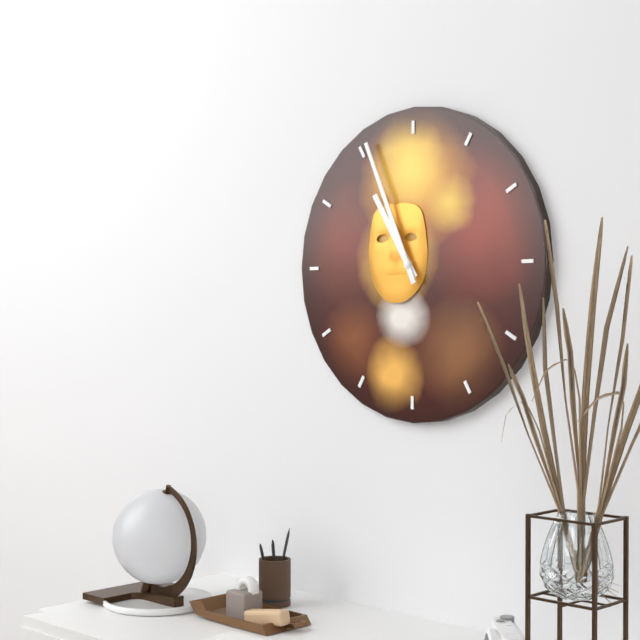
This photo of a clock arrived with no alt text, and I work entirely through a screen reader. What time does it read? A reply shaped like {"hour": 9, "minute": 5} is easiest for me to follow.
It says {"hour": 10, "minute": 56}
